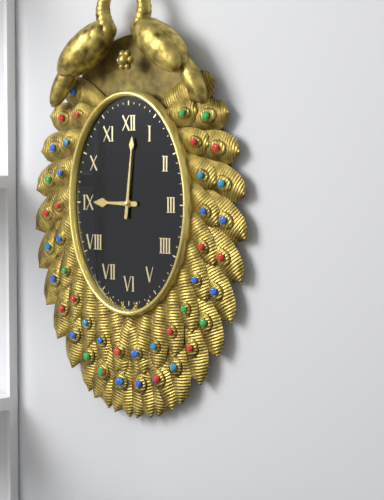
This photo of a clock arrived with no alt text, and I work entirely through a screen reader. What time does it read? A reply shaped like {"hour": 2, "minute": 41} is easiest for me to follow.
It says {"hour": 9, "minute": 1}
